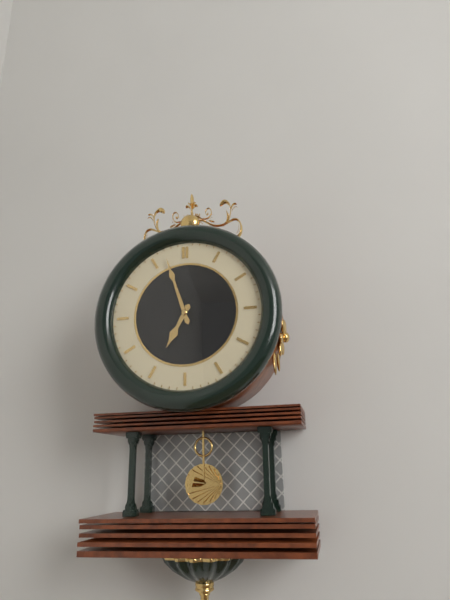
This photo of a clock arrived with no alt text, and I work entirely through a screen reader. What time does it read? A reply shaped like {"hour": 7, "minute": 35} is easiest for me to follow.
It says {"hour": 6, "minute": 57}
